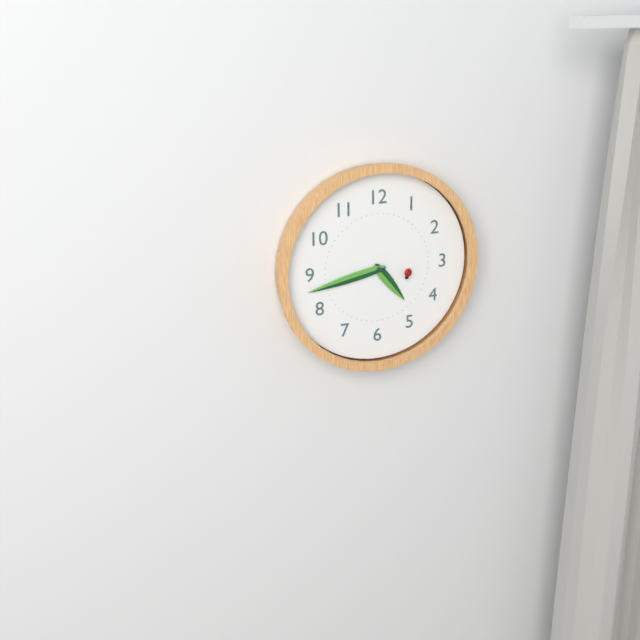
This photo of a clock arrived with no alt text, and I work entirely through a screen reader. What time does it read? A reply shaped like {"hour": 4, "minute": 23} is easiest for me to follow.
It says {"hour": 4, "minute": 43}
